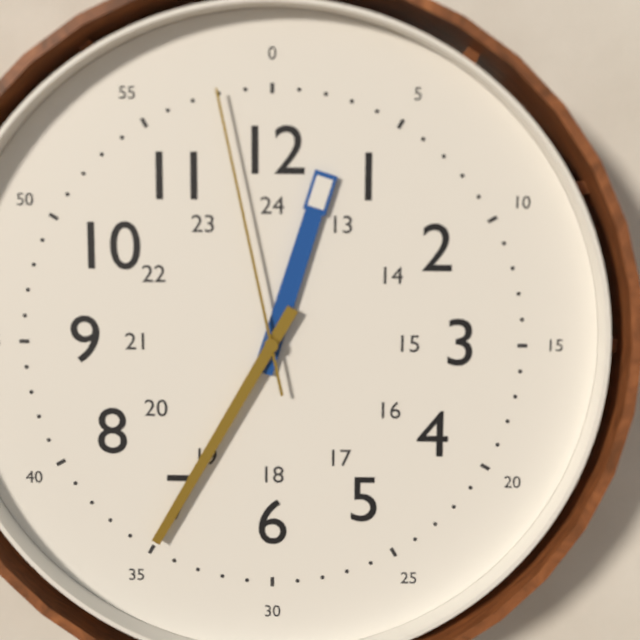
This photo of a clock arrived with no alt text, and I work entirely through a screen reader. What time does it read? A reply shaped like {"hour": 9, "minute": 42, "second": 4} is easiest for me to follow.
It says {"hour": 12, "minute": 35, "second": 58}
